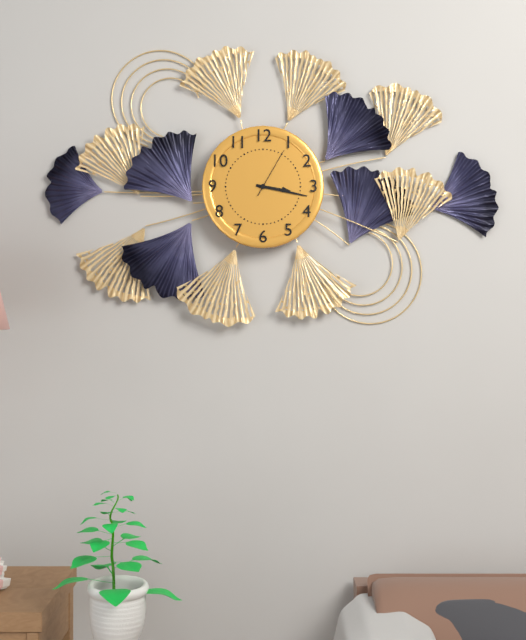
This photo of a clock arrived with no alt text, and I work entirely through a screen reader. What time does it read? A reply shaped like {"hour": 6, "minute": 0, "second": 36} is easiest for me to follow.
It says {"hour": 3, "minute": 17, "second": 5}
